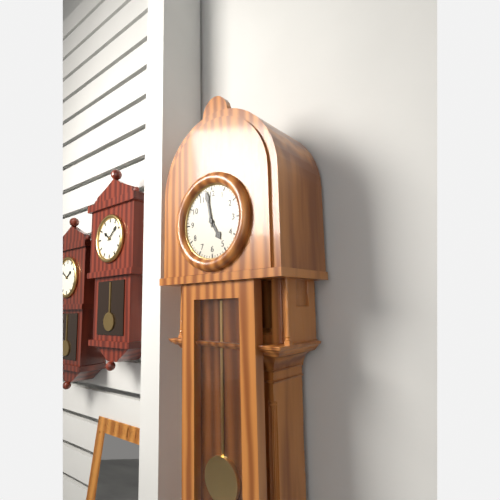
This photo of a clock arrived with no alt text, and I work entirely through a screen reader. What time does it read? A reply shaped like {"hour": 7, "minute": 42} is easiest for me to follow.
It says {"hour": 4, "minute": 58}
